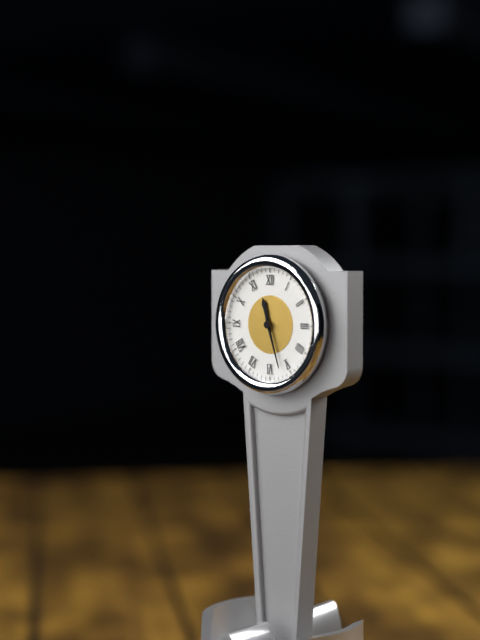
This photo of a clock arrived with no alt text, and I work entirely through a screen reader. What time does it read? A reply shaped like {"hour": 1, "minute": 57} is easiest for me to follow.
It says {"hour": 11, "minute": 27}
